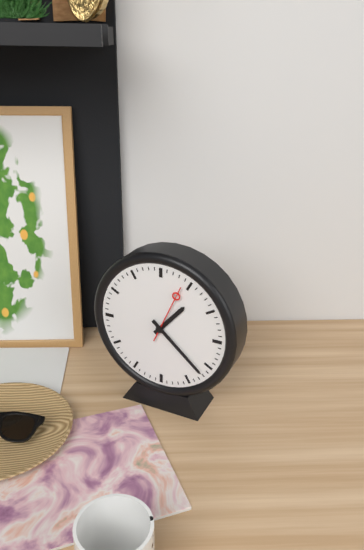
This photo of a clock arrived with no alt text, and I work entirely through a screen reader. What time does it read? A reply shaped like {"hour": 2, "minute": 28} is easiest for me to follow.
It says {"hour": 1, "minute": 22}
